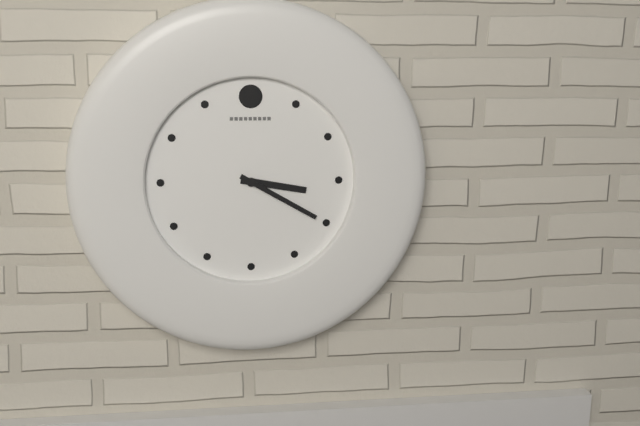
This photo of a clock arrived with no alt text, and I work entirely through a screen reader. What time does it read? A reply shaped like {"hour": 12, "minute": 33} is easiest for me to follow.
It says {"hour": 3, "minute": 20}
